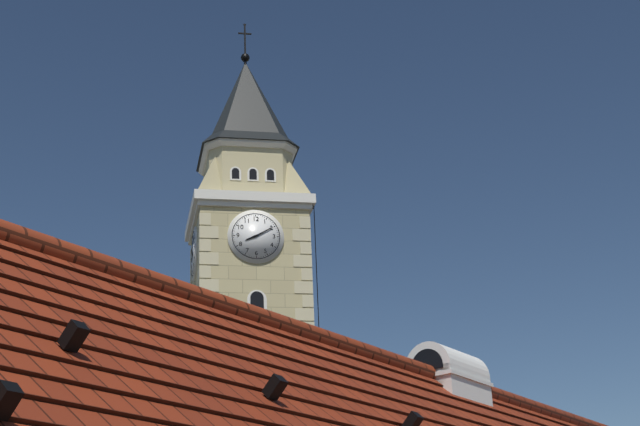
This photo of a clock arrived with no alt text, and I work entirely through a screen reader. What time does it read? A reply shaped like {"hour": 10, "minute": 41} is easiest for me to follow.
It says {"hour": 8, "minute": 10}
